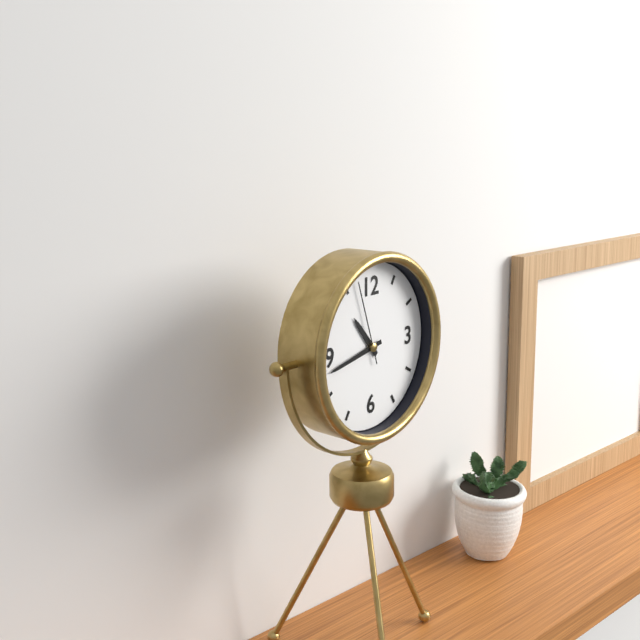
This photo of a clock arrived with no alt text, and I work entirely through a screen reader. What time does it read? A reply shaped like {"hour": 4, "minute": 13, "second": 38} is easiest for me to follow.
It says {"hour": 10, "minute": 43, "second": 57}
